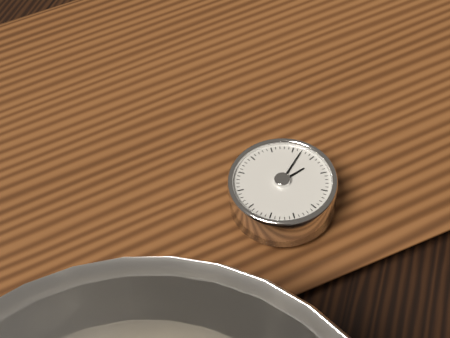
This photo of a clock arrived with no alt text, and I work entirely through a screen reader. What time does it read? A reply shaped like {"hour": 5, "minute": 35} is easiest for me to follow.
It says {"hour": 4, "minute": 17}
